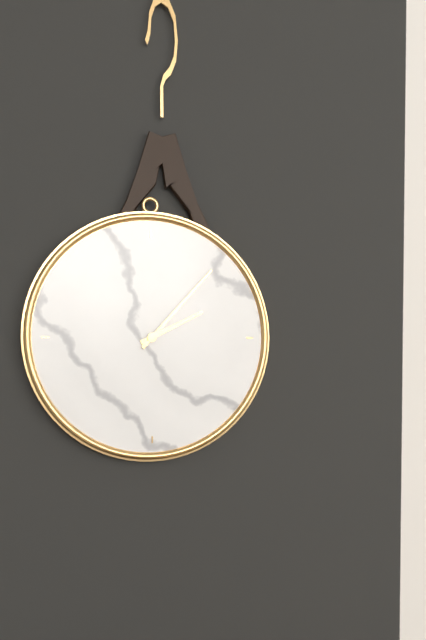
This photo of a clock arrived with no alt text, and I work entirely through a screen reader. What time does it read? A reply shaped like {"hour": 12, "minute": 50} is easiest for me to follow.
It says {"hour": 2, "minute": 7}
